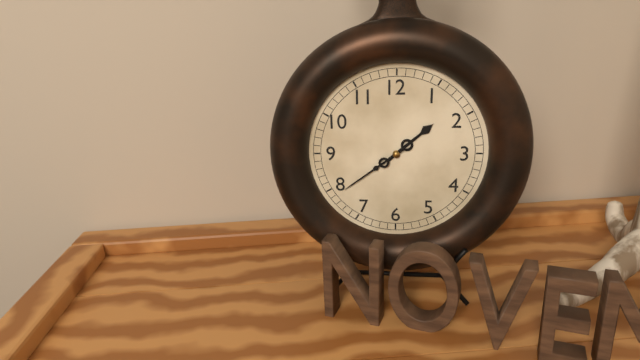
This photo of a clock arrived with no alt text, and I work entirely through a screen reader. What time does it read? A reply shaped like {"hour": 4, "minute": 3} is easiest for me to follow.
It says {"hour": 1, "minute": 39}
